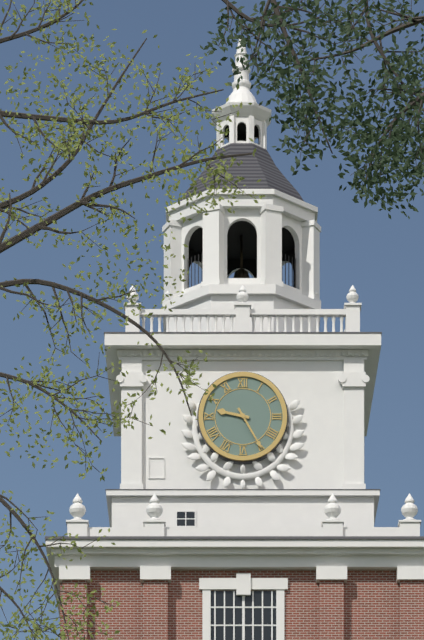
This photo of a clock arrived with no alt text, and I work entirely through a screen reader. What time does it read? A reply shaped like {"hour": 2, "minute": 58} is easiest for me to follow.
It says {"hour": 9, "minute": 25}
